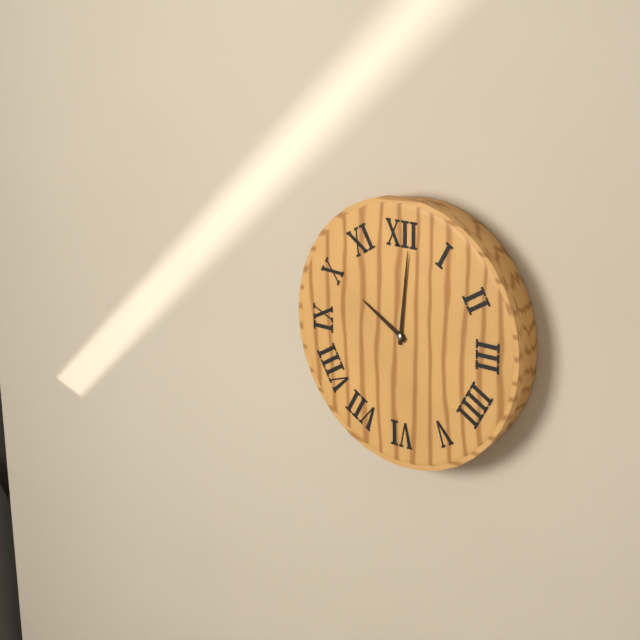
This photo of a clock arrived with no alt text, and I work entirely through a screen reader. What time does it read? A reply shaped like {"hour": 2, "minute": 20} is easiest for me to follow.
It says {"hour": 10, "minute": 1}
